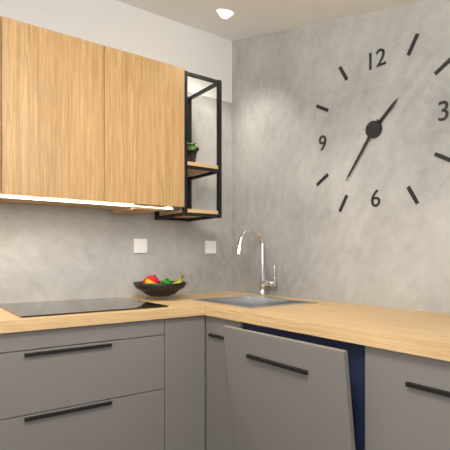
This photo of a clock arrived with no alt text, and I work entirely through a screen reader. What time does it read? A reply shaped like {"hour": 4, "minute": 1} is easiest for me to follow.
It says {"hour": 1, "minute": 36}
